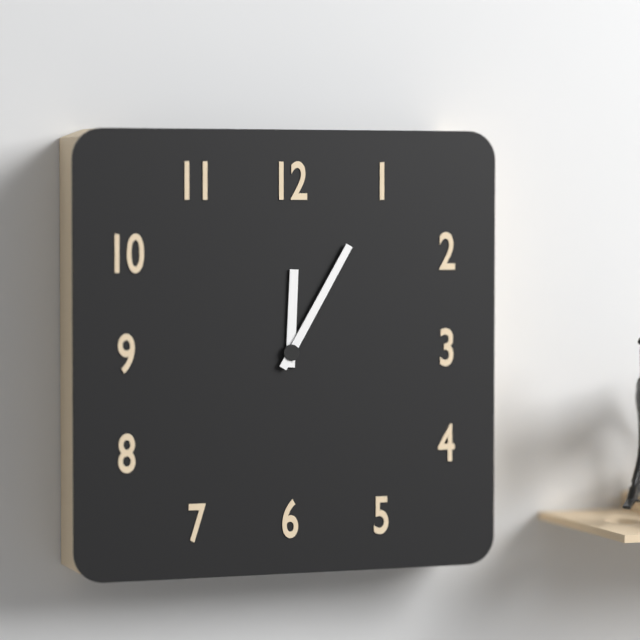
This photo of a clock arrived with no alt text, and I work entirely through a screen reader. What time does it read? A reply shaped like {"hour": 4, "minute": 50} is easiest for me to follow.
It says {"hour": 12, "minute": 5}
